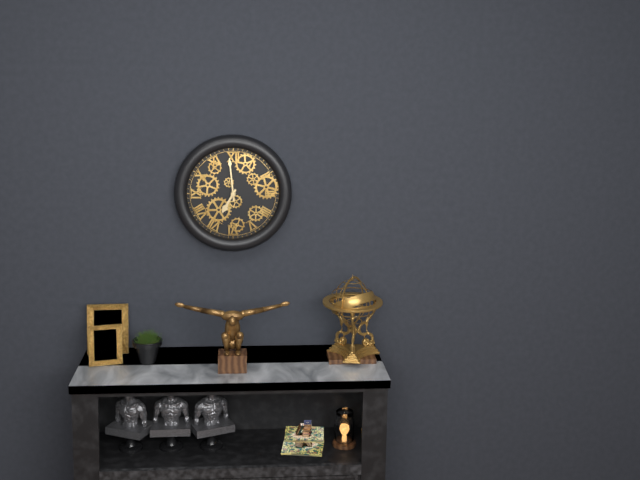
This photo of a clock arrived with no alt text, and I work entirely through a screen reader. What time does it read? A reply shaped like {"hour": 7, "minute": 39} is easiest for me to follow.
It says {"hour": 6, "minute": 59}
